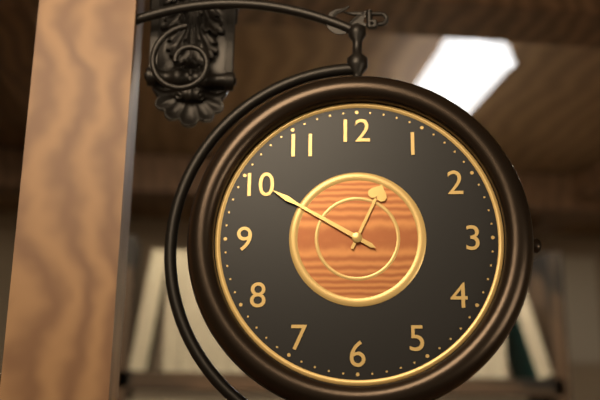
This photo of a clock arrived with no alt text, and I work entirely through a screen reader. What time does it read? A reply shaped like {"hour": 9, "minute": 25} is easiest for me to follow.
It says {"hour": 12, "minute": 50}
